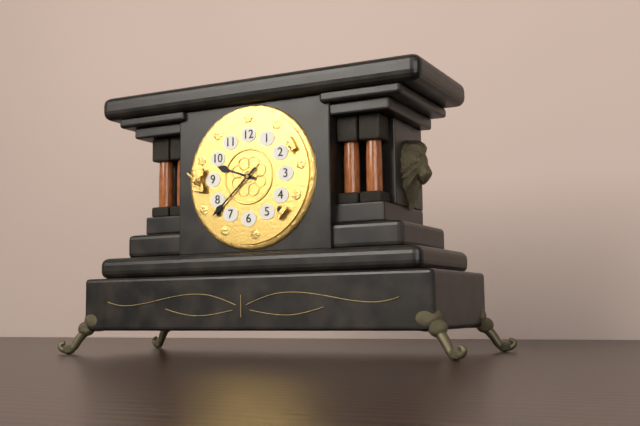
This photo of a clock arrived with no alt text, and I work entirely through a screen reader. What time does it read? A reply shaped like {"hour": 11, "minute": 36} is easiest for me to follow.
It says {"hour": 9, "minute": 38}
